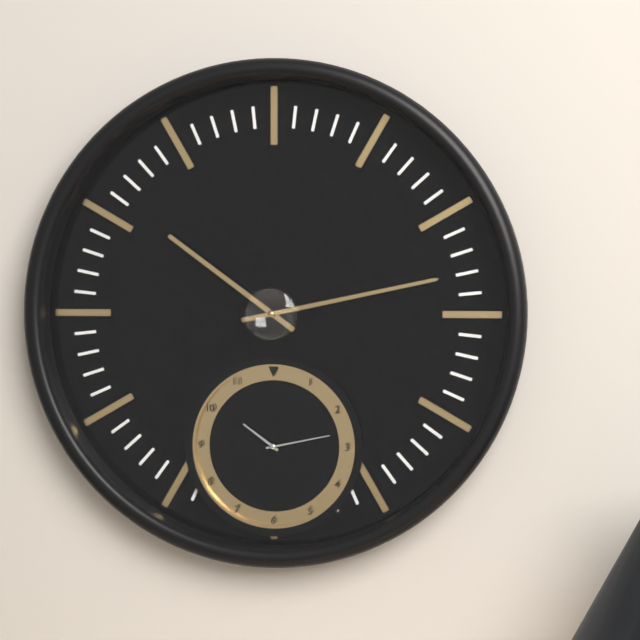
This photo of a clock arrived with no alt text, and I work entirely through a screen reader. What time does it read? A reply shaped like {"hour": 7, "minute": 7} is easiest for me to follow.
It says {"hour": 10, "minute": 13}
